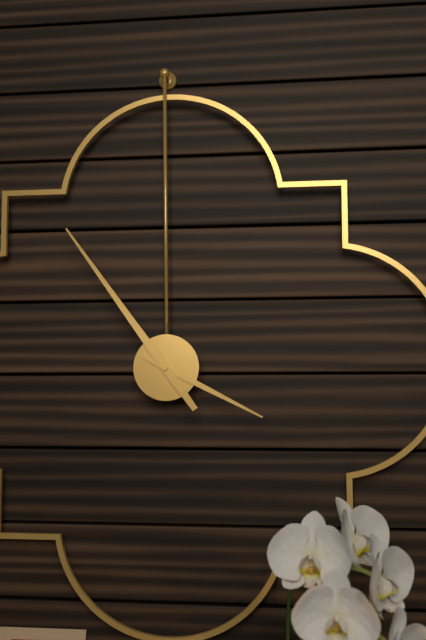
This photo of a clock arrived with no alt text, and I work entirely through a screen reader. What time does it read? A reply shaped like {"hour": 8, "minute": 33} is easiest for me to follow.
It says {"hour": 3, "minute": 54}
